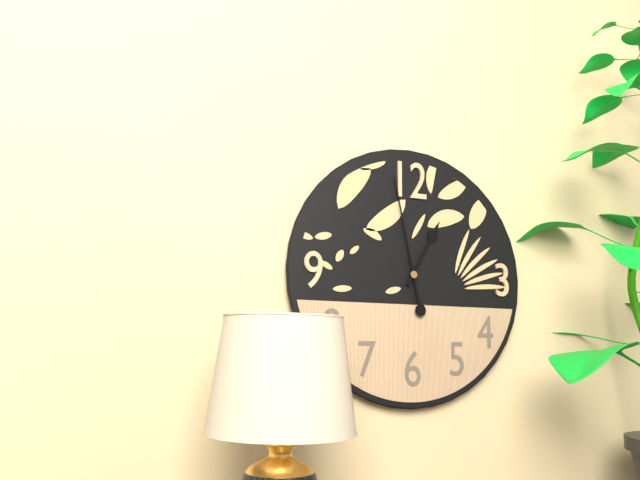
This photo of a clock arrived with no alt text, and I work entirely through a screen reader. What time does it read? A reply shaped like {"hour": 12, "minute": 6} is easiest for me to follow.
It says {"hour": 12, "minute": 58}
